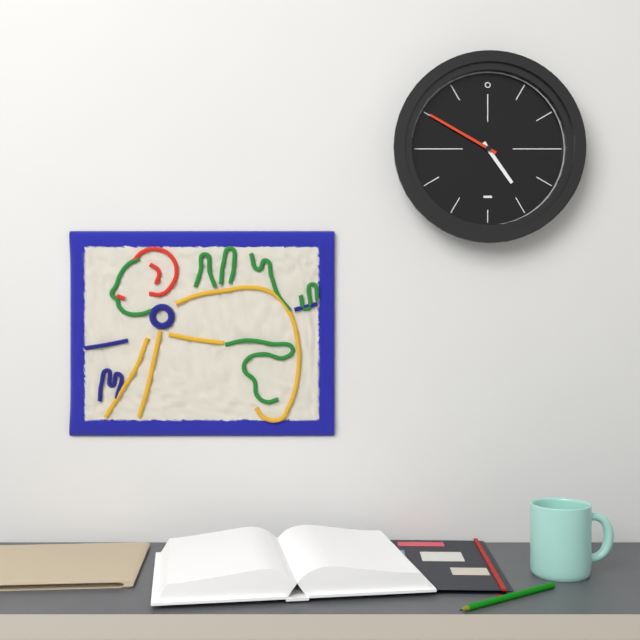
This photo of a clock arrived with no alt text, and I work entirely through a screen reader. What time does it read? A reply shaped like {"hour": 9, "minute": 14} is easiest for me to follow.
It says {"hour": 4, "minute": 50}
